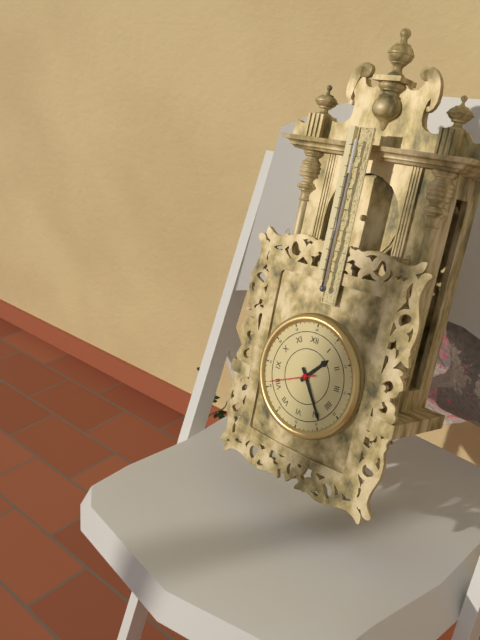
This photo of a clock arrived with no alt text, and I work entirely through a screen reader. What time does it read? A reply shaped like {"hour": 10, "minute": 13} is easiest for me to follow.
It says {"hour": 1, "minute": 24}
